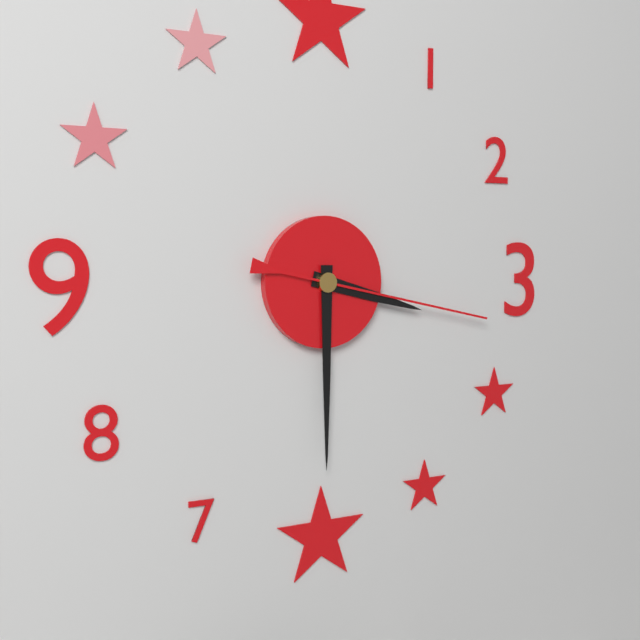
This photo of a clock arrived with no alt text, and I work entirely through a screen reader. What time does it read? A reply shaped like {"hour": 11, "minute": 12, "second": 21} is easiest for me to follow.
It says {"hour": 3, "minute": 30, "second": 17}
